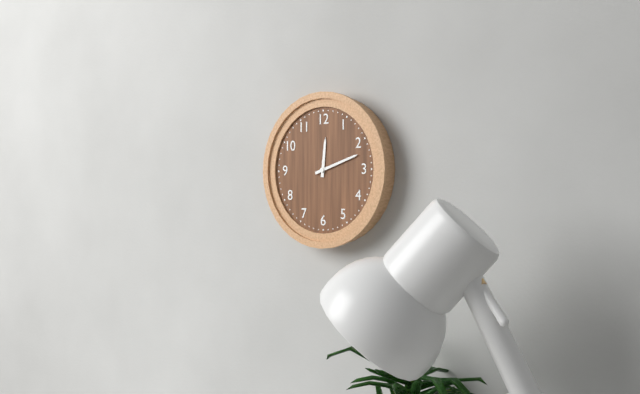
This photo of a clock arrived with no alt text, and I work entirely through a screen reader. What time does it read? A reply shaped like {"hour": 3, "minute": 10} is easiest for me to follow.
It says {"hour": 12, "minute": 12}
